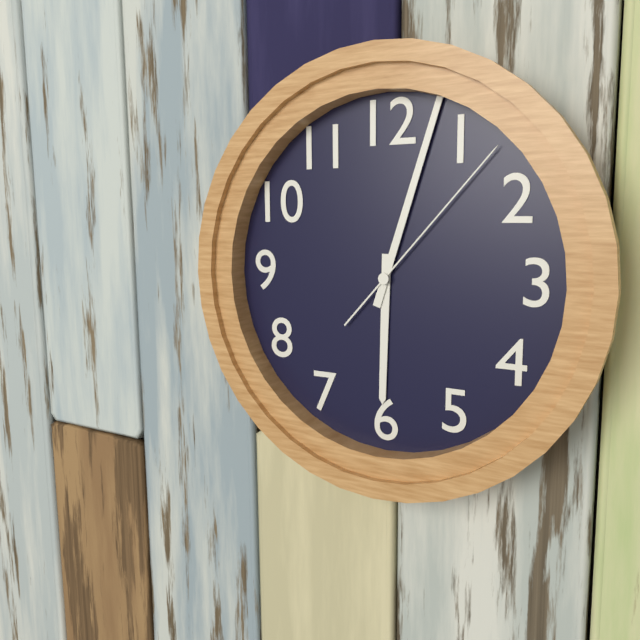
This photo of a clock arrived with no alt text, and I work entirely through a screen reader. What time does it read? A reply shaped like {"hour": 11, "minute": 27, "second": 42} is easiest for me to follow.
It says {"hour": 6, "minute": 3, "second": 7}
